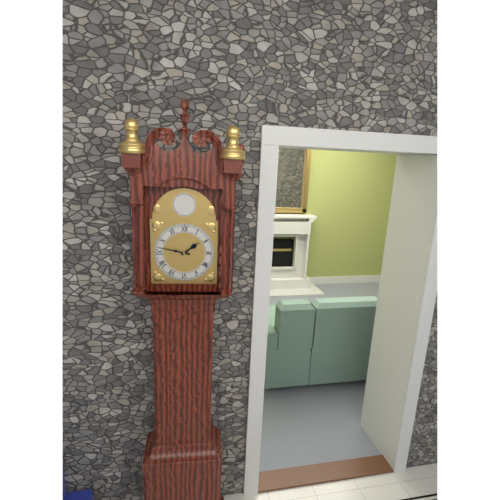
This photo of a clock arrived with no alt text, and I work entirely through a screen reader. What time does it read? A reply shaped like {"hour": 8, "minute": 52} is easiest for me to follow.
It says {"hour": 1, "minute": 47}
